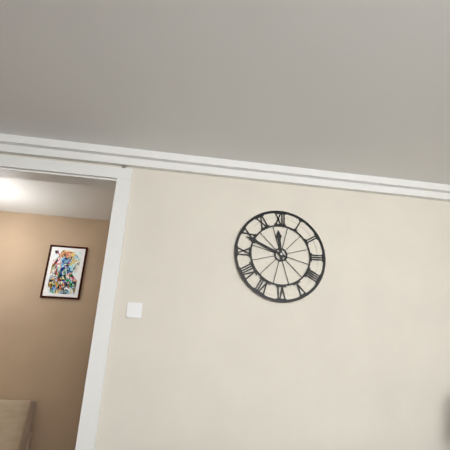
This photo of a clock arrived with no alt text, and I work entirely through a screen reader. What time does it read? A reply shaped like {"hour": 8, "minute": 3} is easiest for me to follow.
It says {"hour": 11, "minute": 49}
